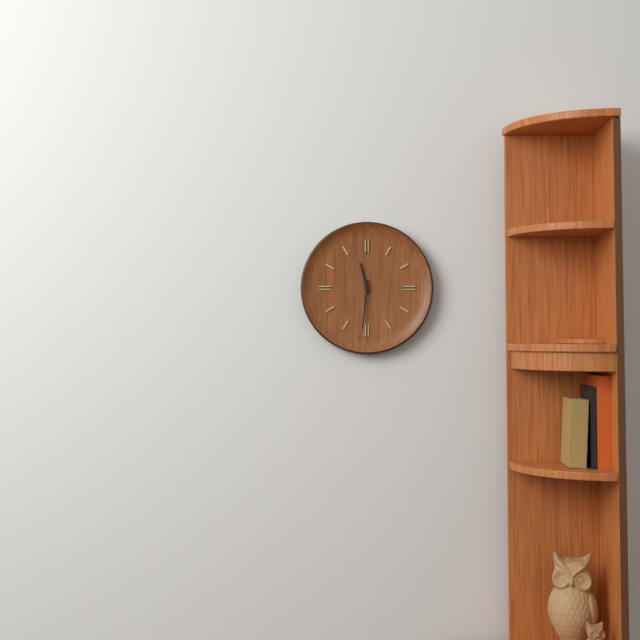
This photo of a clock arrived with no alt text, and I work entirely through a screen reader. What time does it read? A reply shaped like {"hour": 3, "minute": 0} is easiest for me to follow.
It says {"hour": 11, "minute": 31}
